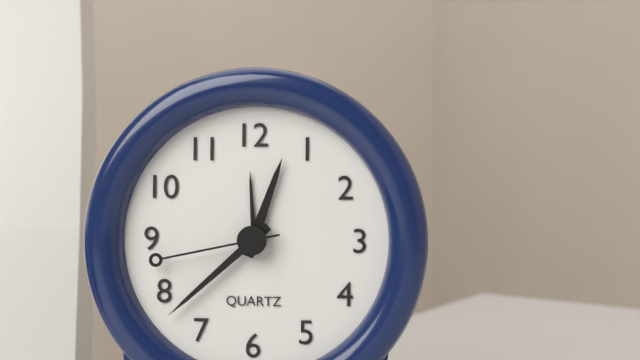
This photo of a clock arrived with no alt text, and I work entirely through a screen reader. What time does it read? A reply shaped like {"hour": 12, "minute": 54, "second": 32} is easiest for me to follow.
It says {"hour": 12, "minute": 38, "second": 43}
